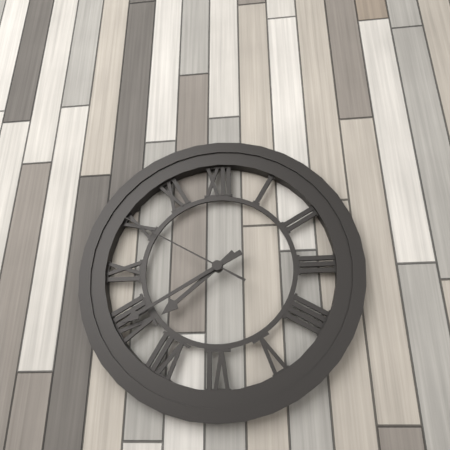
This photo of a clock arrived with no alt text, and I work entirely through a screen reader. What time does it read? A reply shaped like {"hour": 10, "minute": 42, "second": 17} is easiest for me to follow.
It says {"hour": 7, "minute": 40, "second": 50}
